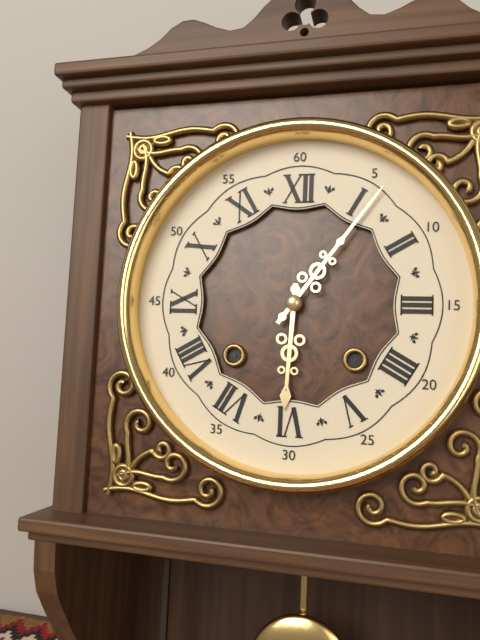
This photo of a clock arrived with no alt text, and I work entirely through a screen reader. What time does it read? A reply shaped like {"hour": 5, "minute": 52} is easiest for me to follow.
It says {"hour": 6, "minute": 6}
